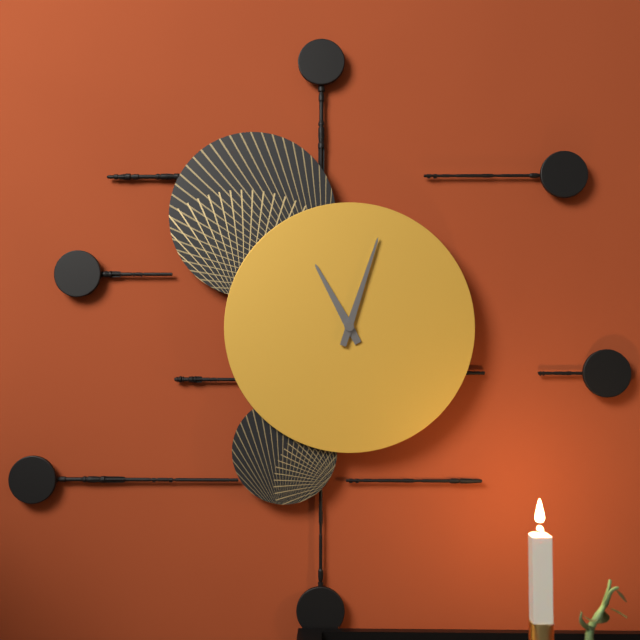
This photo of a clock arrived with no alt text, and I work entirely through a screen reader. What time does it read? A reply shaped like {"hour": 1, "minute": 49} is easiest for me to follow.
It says {"hour": 11, "minute": 3}
